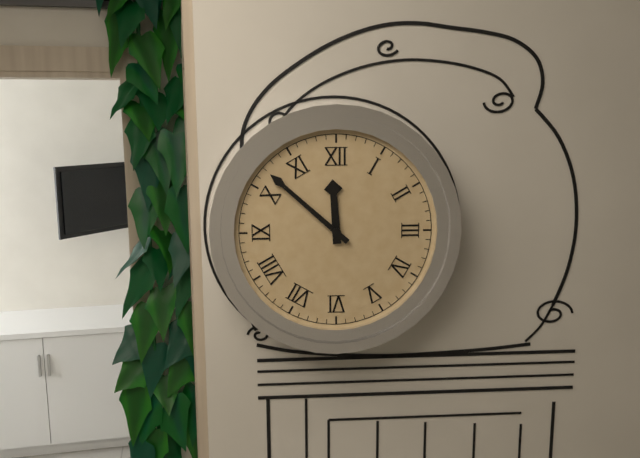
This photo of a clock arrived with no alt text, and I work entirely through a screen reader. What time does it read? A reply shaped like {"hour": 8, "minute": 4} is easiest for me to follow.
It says {"hour": 11, "minute": 52}
